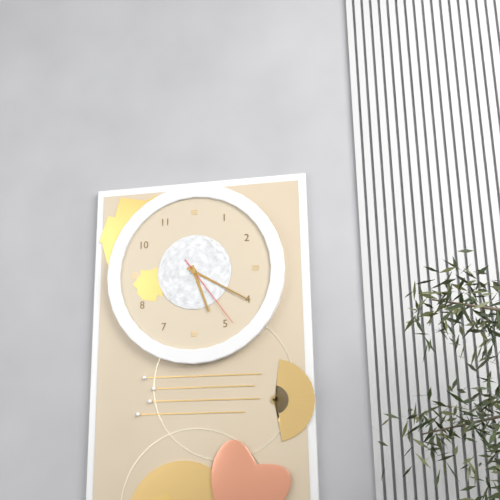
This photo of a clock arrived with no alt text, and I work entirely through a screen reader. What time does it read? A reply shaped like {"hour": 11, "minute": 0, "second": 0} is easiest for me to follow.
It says {"hour": 5, "minute": 20, "second": 24}
